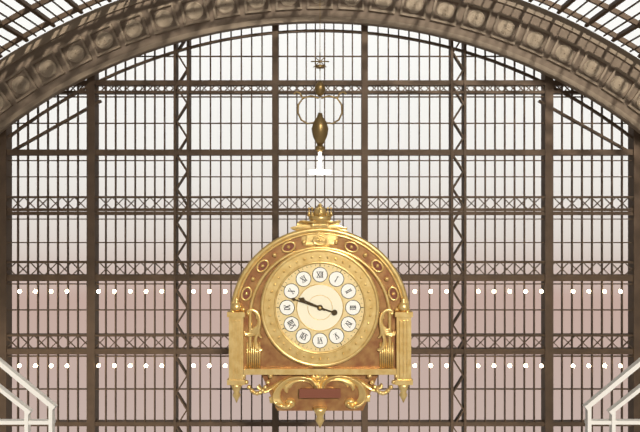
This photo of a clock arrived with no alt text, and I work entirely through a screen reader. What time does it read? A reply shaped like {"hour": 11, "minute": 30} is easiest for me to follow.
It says {"hour": 9, "minute": 48}
